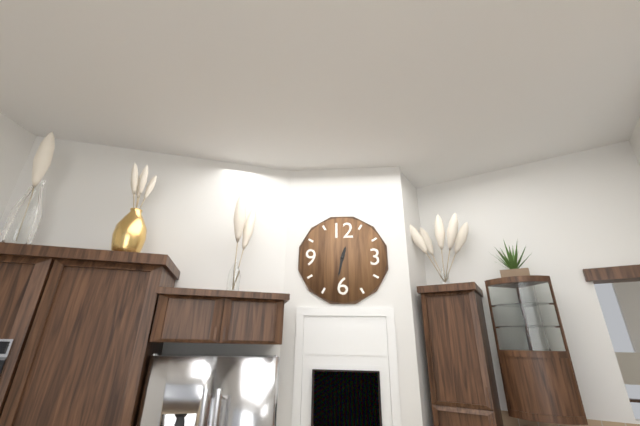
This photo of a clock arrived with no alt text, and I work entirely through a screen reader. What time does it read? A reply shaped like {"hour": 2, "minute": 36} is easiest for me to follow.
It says {"hour": 12, "minute": 32}
